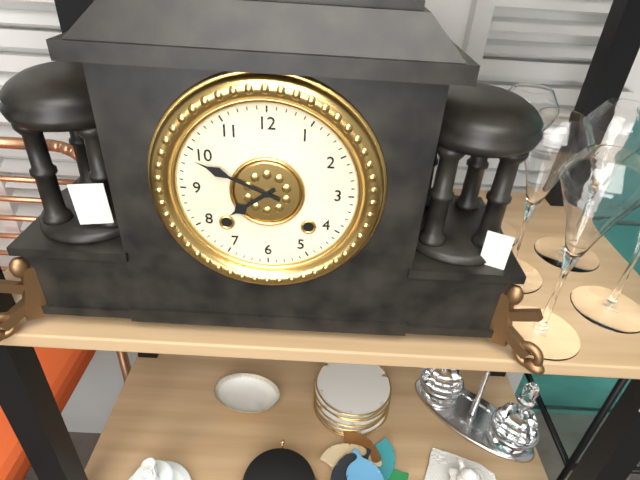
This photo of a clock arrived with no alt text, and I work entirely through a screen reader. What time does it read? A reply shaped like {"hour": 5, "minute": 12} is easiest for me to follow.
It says {"hour": 7, "minute": 49}
